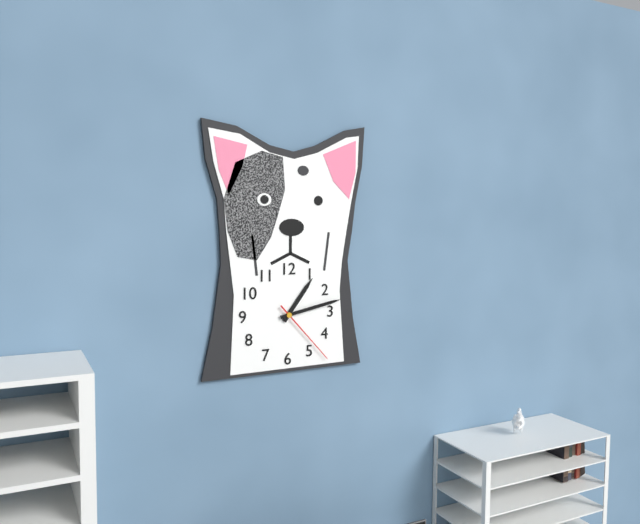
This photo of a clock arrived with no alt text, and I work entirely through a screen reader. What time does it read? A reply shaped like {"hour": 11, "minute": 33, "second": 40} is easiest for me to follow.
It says {"hour": 1, "minute": 13, "second": 23}
